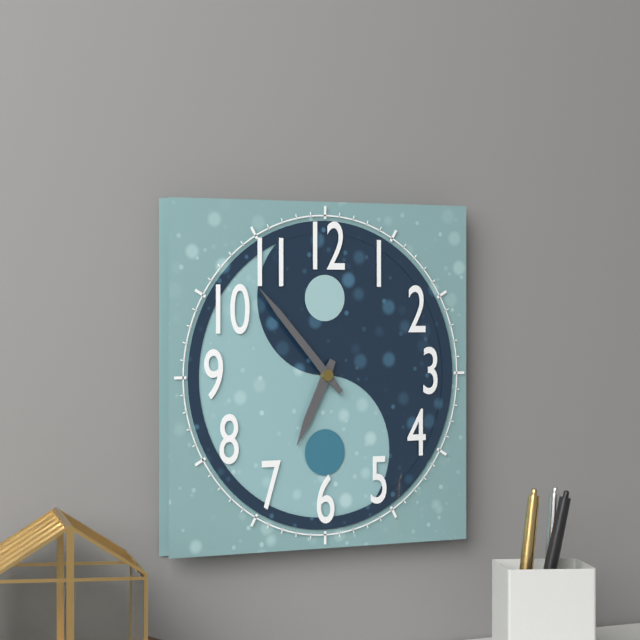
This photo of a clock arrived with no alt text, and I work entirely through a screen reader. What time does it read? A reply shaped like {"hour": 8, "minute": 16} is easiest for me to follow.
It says {"hour": 6, "minute": 53}
